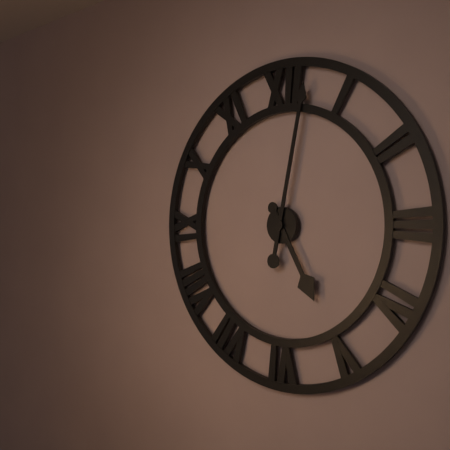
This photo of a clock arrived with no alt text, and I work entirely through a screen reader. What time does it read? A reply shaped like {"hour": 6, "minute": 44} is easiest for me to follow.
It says {"hour": 5, "minute": 2}
